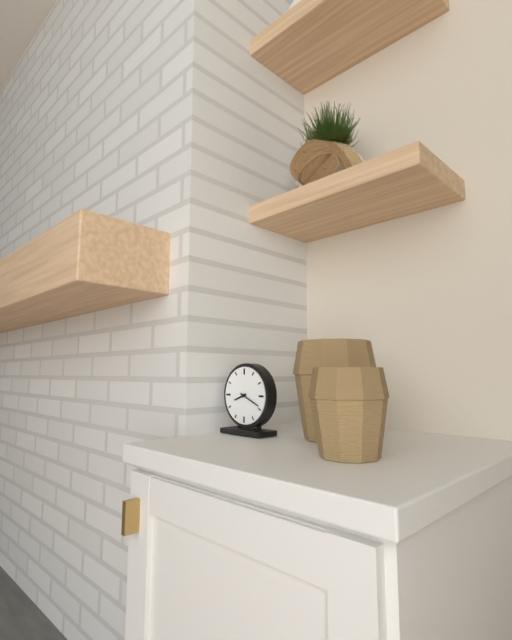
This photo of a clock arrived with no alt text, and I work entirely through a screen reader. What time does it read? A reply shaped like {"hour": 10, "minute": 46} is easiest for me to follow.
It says {"hour": 8, "minute": 19}
